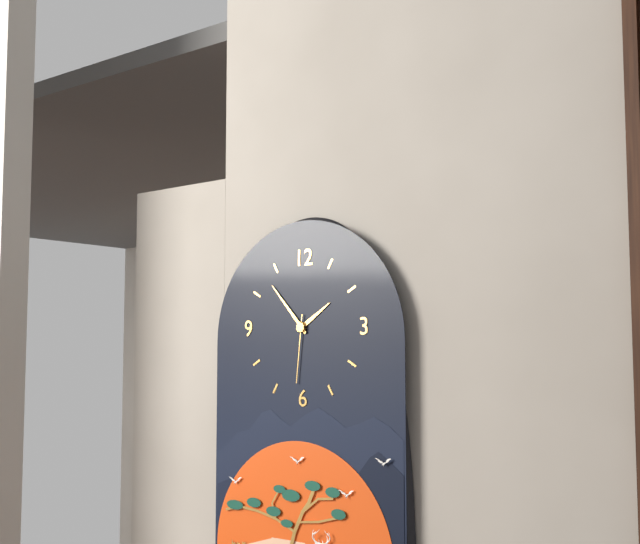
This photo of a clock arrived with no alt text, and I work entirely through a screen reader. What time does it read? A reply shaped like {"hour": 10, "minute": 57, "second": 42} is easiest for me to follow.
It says {"hour": 1, "minute": 53, "second": 31}
